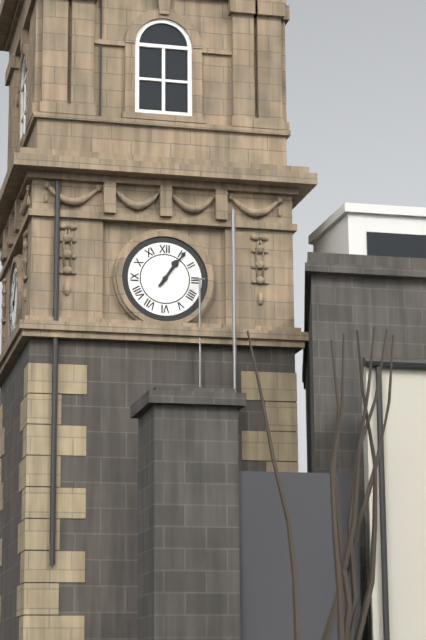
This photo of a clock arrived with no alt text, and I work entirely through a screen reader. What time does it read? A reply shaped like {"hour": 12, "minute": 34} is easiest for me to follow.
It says {"hour": 1, "minute": 6}
